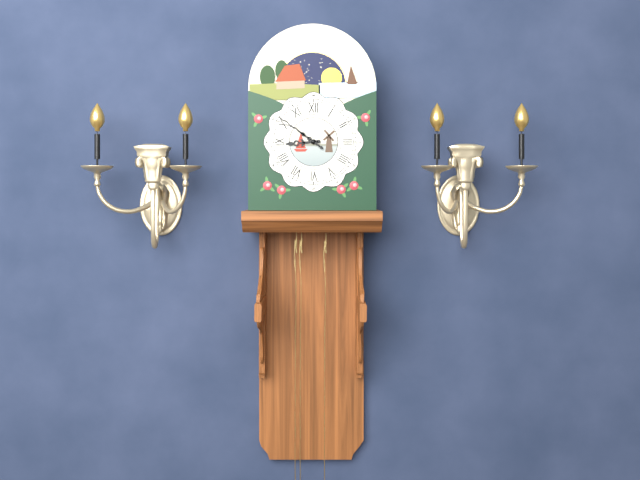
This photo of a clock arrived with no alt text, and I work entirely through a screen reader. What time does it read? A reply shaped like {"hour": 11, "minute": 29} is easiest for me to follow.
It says {"hour": 8, "minute": 51}
